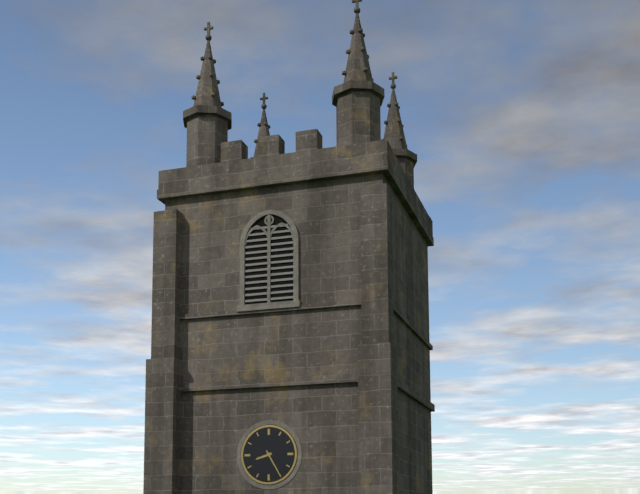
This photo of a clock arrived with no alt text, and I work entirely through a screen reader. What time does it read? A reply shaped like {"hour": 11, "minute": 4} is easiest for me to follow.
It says {"hour": 8, "minute": 25}
